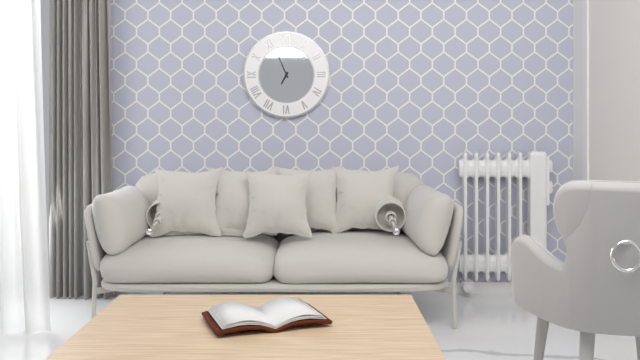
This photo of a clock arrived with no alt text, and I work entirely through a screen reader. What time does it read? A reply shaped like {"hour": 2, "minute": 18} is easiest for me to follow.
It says {"hour": 6, "minute": 56}
